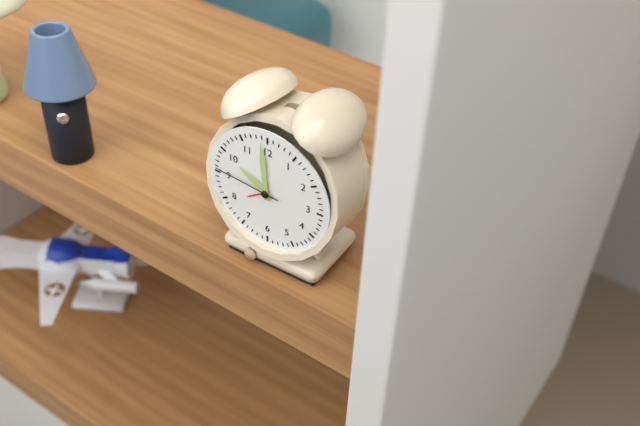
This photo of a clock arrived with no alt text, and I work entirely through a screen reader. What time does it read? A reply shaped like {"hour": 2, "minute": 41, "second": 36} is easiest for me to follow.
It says {"hour": 9, "minute": 59, "second": 46}
